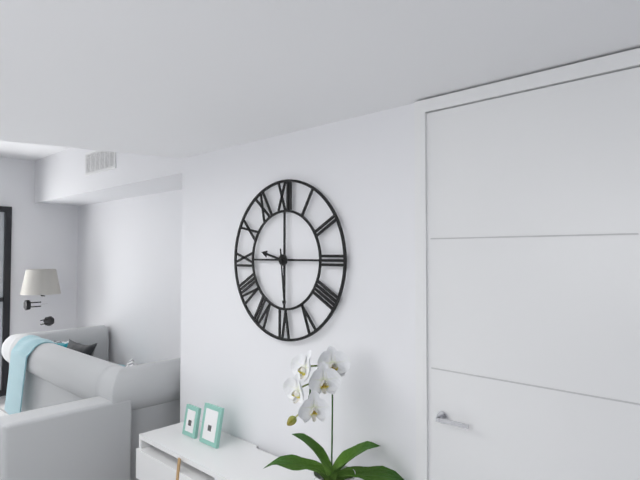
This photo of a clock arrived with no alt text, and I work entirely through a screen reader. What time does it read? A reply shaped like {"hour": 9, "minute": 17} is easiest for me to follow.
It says {"hour": 9, "minute": 29}
